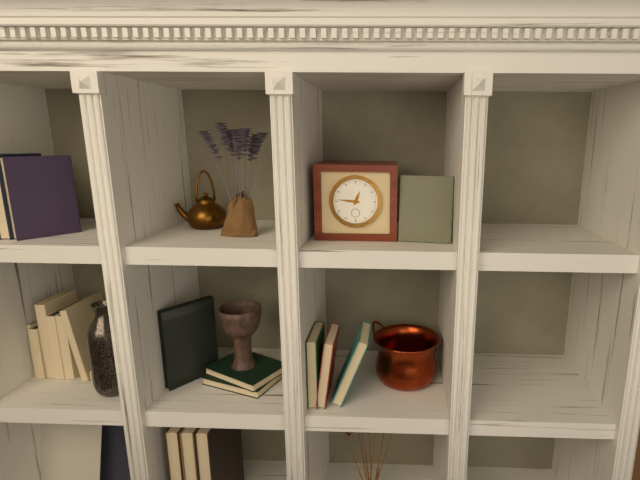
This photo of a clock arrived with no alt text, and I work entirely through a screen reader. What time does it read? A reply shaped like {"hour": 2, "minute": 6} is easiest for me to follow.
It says {"hour": 12, "minute": 46}
